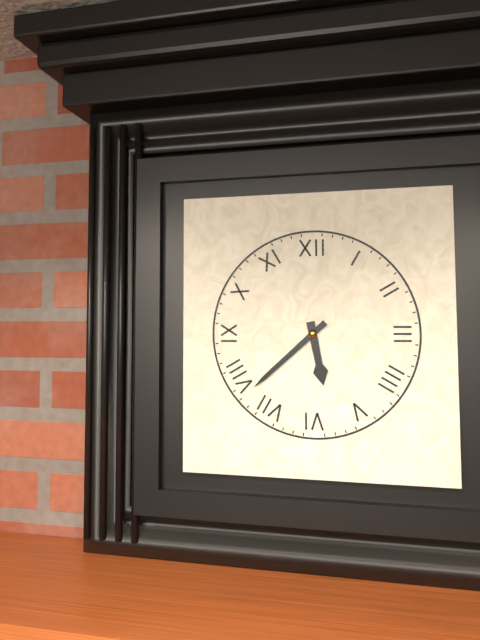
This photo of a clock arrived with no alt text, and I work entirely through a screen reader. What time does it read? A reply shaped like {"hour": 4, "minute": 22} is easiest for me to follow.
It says {"hour": 5, "minute": 38}
